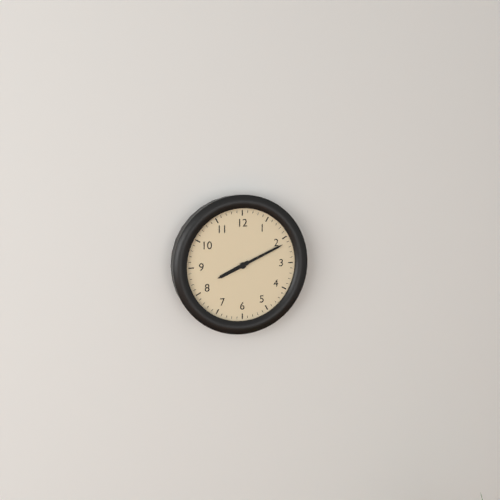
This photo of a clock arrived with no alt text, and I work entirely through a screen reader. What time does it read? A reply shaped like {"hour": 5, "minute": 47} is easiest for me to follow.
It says {"hour": 8, "minute": 11}
